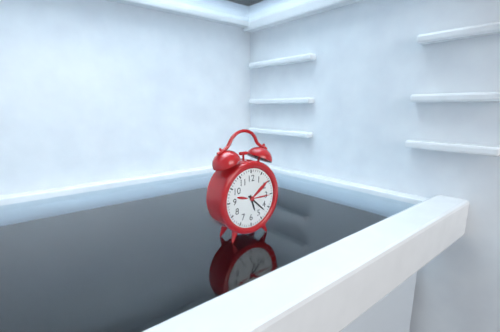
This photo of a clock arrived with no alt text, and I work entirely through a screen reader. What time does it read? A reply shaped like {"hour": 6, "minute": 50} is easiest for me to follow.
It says {"hour": 5, "minute": 22}
